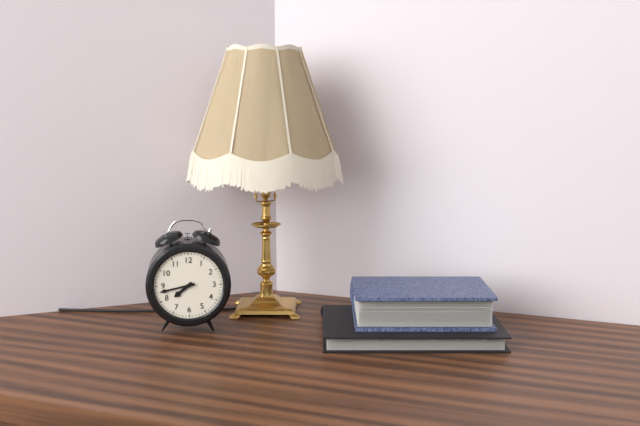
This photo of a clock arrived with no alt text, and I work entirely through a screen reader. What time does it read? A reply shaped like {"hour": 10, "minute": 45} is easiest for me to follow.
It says {"hour": 7, "minute": 43}
